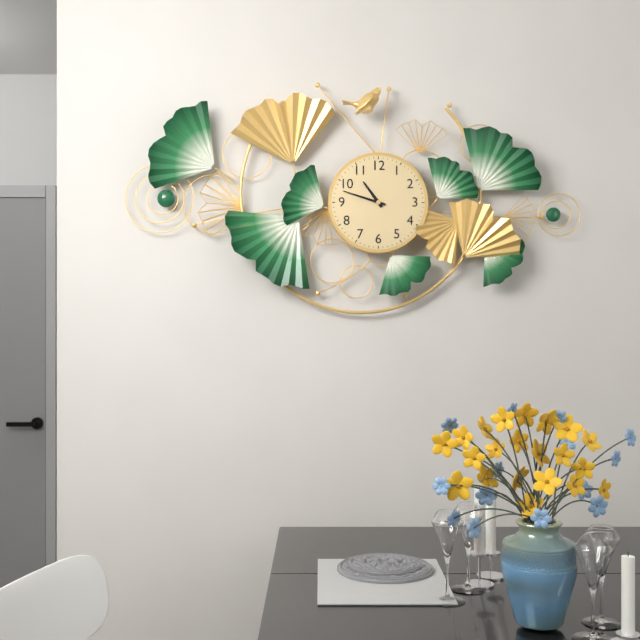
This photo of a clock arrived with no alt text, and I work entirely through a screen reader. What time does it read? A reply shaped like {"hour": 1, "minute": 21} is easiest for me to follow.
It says {"hour": 10, "minute": 48}
